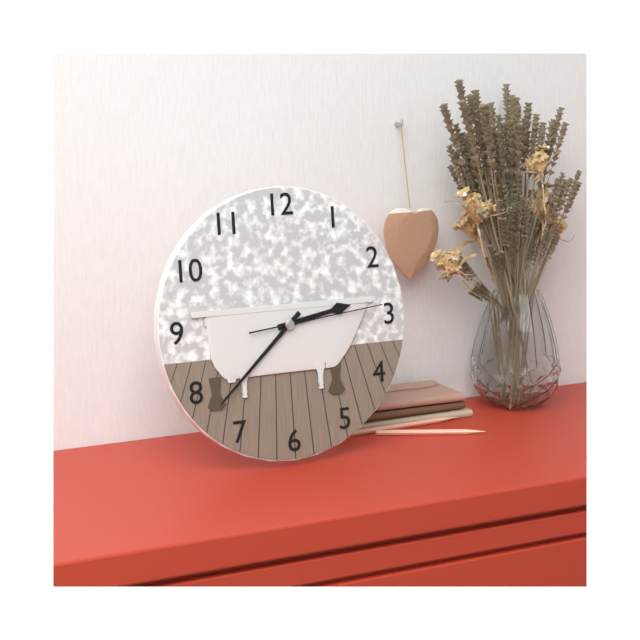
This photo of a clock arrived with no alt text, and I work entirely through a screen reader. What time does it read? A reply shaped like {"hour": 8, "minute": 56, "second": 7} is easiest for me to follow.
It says {"hour": 2, "minute": 38, "second": 14}
